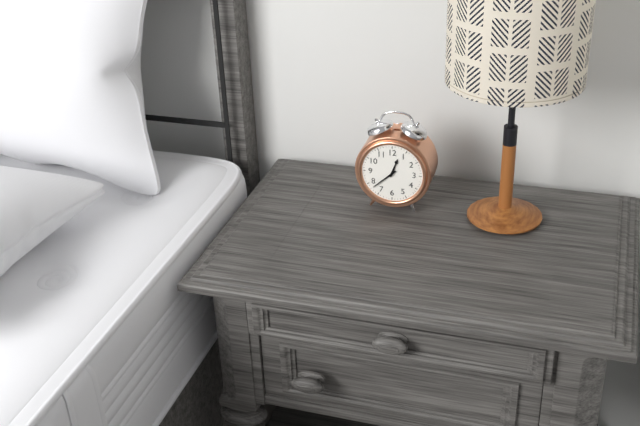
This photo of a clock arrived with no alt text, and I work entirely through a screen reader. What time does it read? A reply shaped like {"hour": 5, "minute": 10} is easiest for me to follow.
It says {"hour": 12, "minute": 38}
